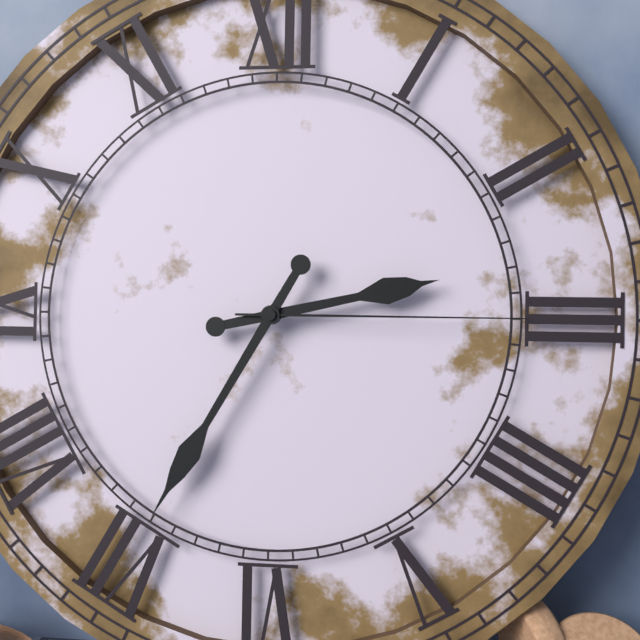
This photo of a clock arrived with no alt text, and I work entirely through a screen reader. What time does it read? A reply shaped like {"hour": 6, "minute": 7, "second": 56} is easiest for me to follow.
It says {"hour": 2, "minute": 35, "second": 15}
